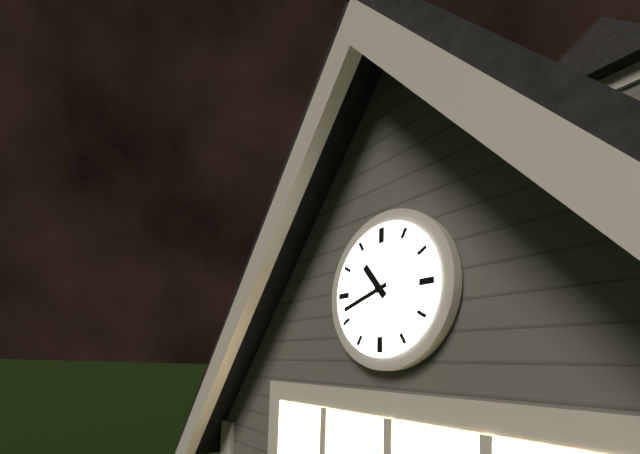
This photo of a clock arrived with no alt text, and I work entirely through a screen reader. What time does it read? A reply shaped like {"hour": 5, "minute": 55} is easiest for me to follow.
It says {"hour": 10, "minute": 42}
